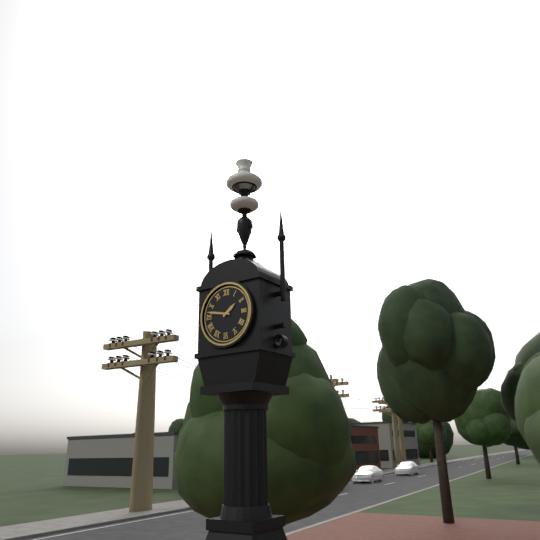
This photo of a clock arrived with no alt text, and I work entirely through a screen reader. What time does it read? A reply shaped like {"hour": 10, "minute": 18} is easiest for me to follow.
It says {"hour": 1, "minute": 47}
